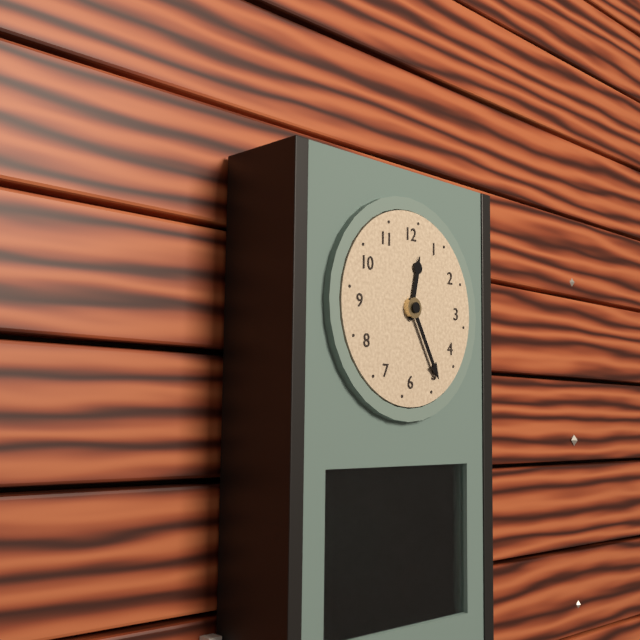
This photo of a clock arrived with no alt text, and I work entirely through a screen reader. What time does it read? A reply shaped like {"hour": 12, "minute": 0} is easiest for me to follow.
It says {"hour": 12, "minute": 25}
